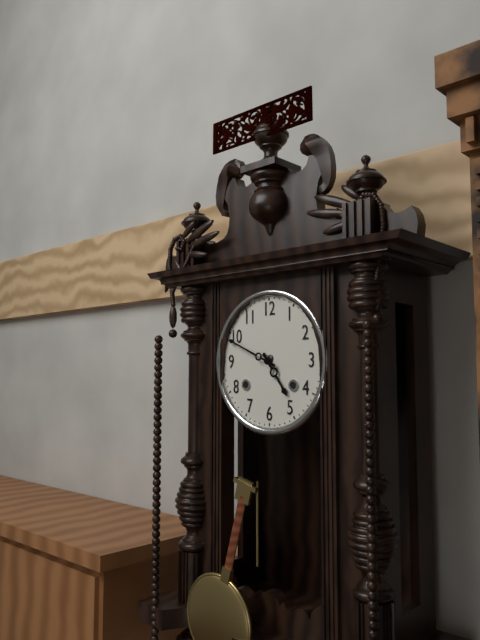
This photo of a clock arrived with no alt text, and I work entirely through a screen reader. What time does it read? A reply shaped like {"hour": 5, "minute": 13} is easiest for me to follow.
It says {"hour": 4, "minute": 49}
